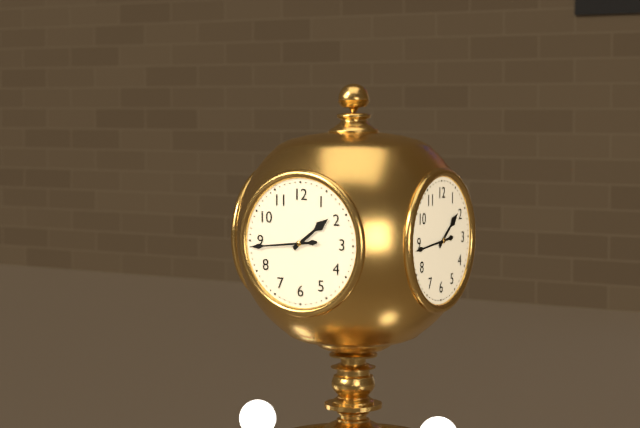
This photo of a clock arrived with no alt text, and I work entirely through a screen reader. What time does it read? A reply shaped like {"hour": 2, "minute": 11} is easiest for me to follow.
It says {"hour": 1, "minute": 44}
